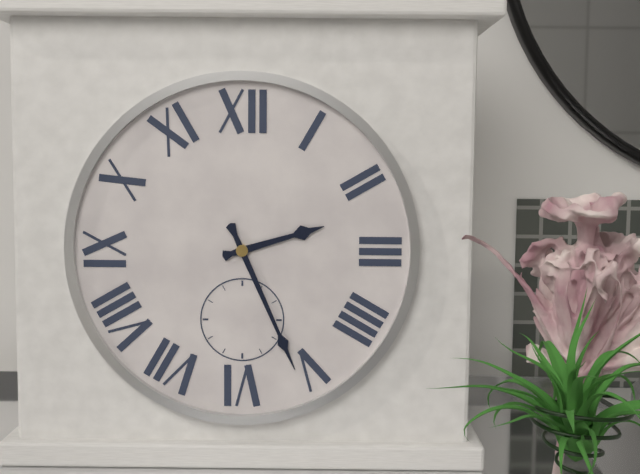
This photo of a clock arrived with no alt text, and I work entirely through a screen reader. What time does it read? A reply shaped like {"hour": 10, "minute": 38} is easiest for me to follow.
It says {"hour": 2, "minute": 26}
